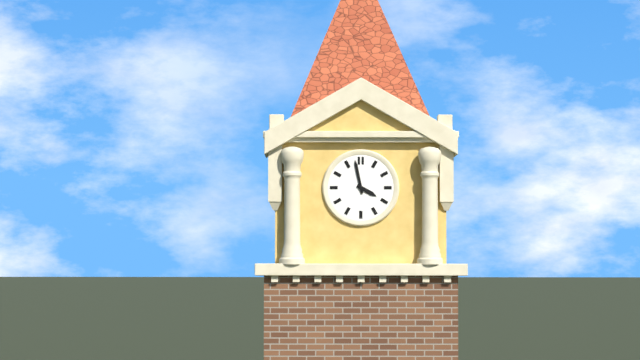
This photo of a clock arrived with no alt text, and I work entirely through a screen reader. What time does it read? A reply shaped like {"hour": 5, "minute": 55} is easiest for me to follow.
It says {"hour": 3, "minute": 58}
